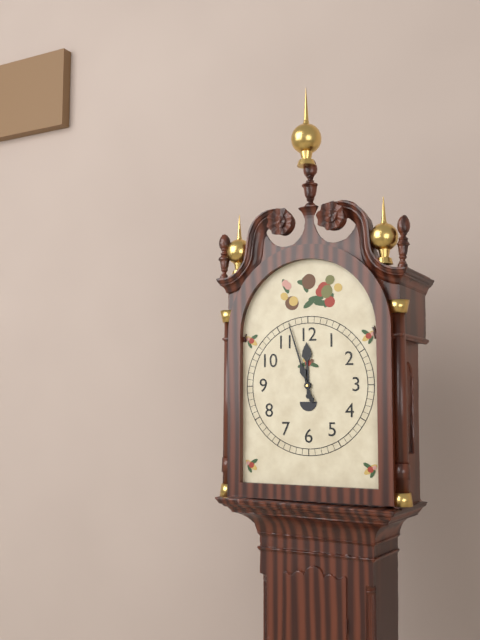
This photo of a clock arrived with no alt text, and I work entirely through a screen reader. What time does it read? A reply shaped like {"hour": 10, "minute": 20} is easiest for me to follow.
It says {"hour": 11, "minute": 57}
